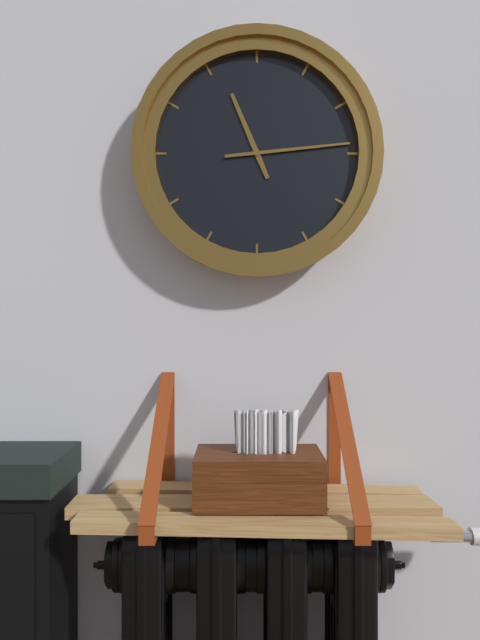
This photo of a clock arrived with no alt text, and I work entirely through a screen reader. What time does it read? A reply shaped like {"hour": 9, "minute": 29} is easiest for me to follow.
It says {"hour": 11, "minute": 14}
